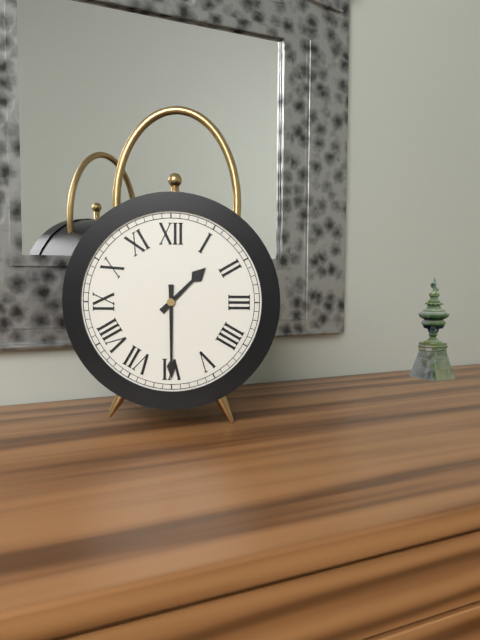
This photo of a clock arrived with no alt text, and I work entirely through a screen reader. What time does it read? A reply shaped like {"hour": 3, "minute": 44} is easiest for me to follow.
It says {"hour": 1, "minute": 30}
